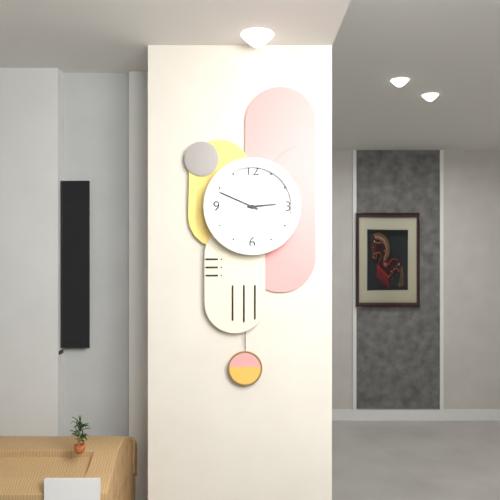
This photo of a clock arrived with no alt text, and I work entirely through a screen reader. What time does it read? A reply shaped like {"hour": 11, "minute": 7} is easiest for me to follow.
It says {"hour": 2, "minute": 49}
